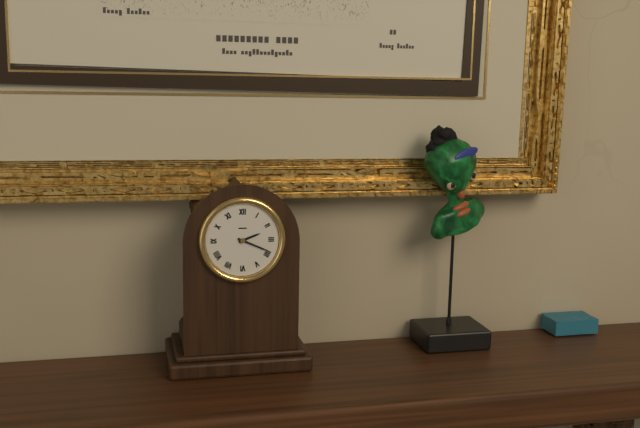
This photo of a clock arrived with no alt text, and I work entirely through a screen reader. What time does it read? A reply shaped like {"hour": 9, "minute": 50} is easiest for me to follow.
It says {"hour": 2, "minute": 19}
